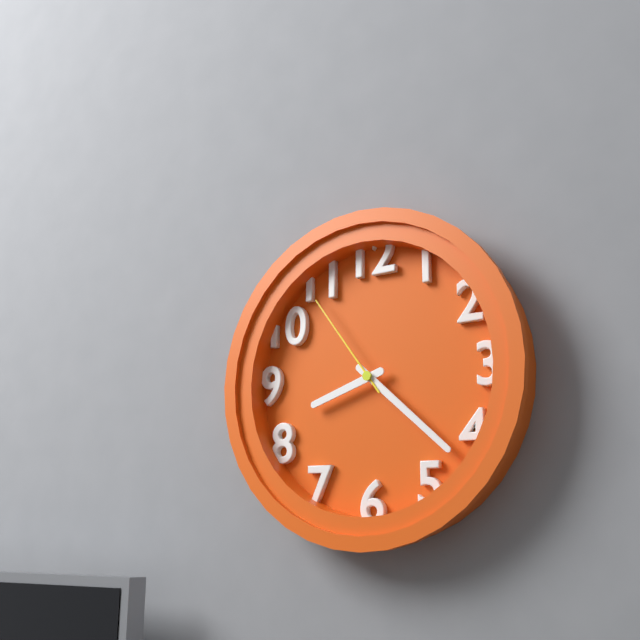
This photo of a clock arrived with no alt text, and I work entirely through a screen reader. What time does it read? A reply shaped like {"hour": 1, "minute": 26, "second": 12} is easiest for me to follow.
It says {"hour": 8, "minute": 22, "second": 54}
